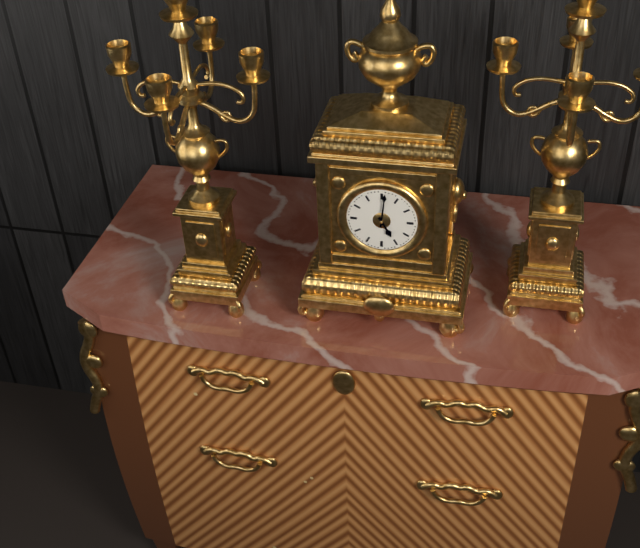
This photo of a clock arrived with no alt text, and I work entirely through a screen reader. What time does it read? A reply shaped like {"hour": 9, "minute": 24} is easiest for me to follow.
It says {"hour": 5, "minute": 1}
